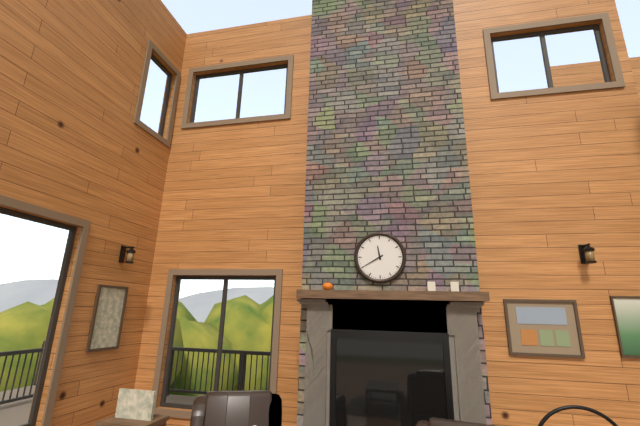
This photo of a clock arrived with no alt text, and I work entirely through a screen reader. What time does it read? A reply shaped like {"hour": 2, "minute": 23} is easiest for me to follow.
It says {"hour": 11, "minute": 40}
